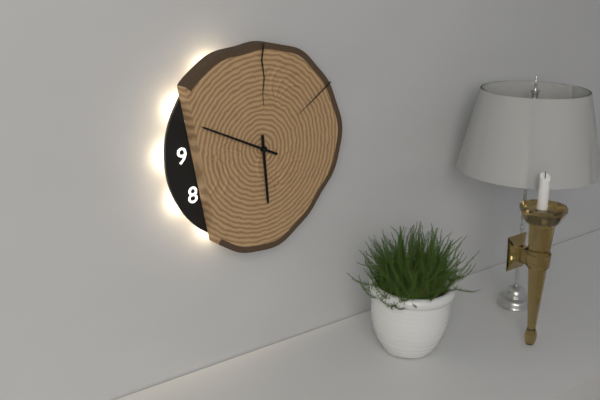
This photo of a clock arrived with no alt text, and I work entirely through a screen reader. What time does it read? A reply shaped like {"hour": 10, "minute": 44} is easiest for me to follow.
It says {"hour": 5, "minute": 49}
